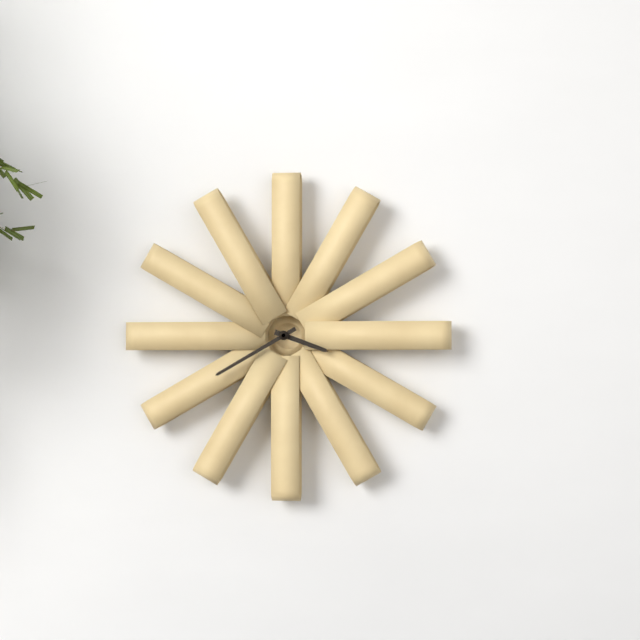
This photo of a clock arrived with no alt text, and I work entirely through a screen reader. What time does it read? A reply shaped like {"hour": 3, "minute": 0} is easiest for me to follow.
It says {"hour": 3, "minute": 40}
